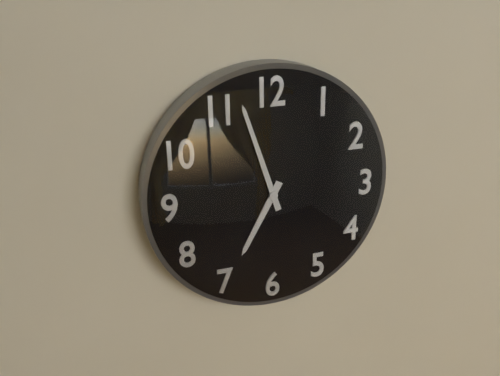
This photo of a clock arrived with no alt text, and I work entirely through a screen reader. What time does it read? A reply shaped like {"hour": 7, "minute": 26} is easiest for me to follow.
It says {"hour": 6, "minute": 57}
